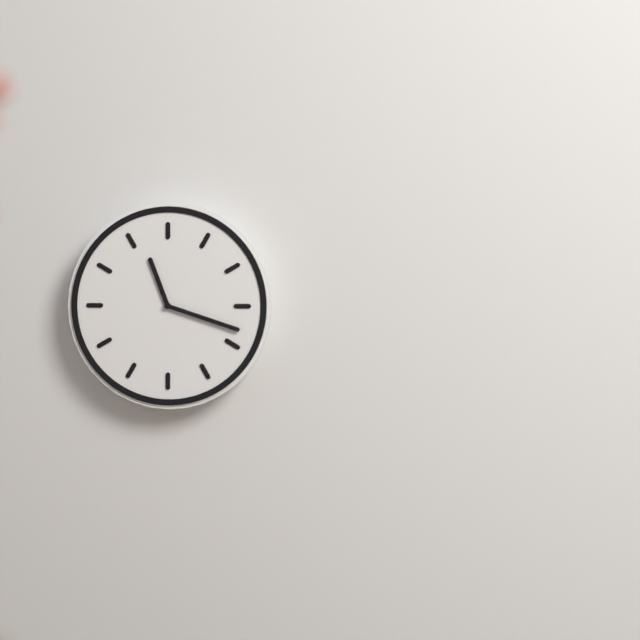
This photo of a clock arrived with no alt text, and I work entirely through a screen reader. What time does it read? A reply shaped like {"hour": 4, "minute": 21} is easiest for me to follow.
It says {"hour": 11, "minute": 18}
